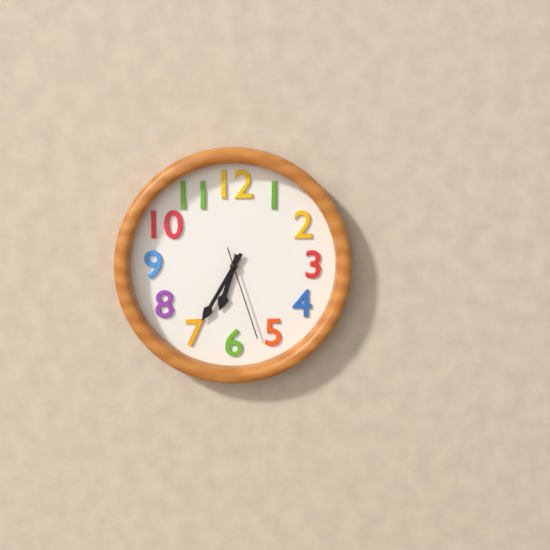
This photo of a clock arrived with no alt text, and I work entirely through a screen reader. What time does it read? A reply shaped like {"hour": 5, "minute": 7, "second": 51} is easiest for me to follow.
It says {"hour": 6, "minute": 35, "second": 27}
